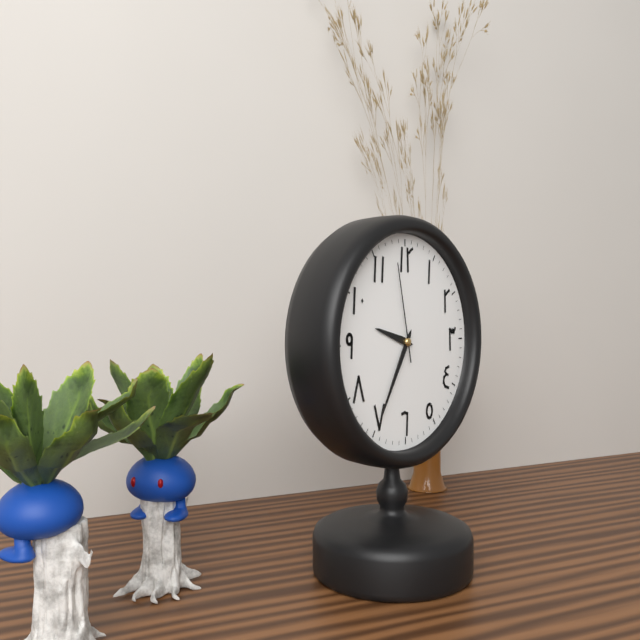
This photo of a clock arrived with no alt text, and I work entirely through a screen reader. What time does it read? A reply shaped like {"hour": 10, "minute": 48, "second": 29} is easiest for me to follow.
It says {"hour": 9, "minute": 35, "second": 58}
